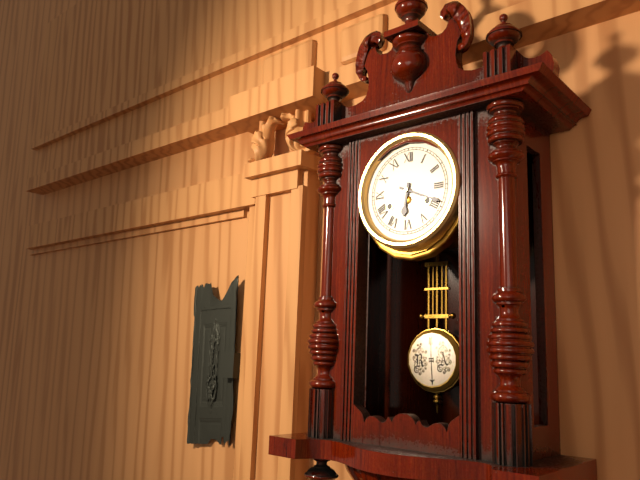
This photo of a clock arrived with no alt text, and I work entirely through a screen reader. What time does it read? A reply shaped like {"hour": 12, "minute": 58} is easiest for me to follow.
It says {"hour": 6, "minute": 19}
